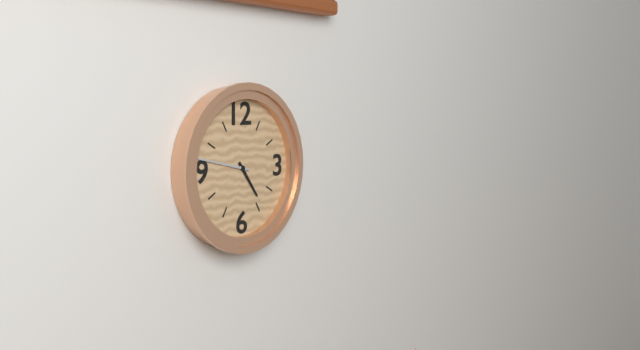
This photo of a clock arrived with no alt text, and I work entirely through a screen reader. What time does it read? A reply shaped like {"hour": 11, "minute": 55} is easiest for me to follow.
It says {"hour": 4, "minute": 47}
